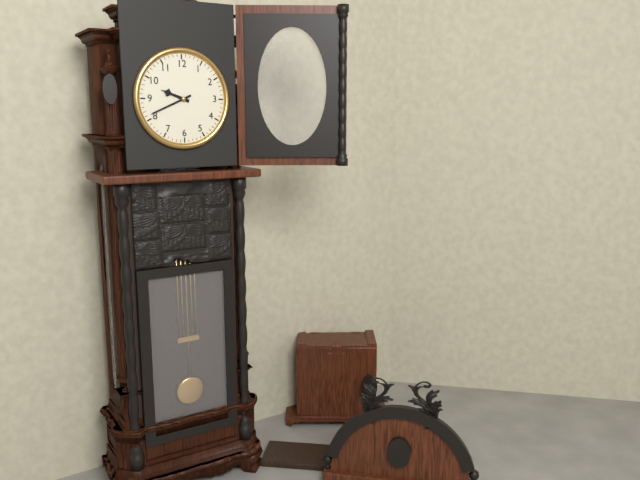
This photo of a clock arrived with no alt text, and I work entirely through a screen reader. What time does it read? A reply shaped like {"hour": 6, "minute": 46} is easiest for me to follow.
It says {"hour": 9, "minute": 41}
